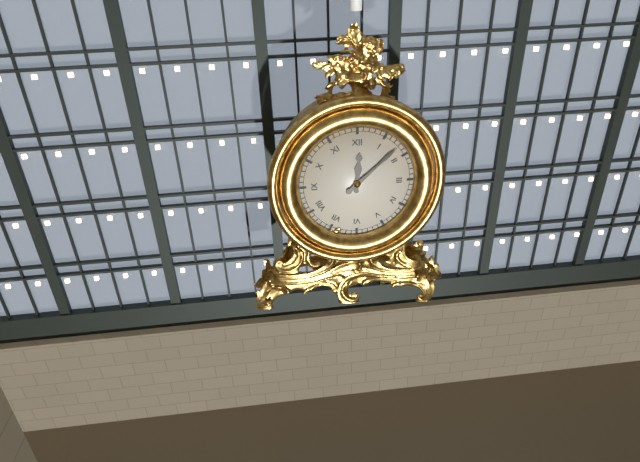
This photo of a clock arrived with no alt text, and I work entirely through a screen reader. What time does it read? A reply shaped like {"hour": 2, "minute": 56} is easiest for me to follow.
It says {"hour": 12, "minute": 8}
